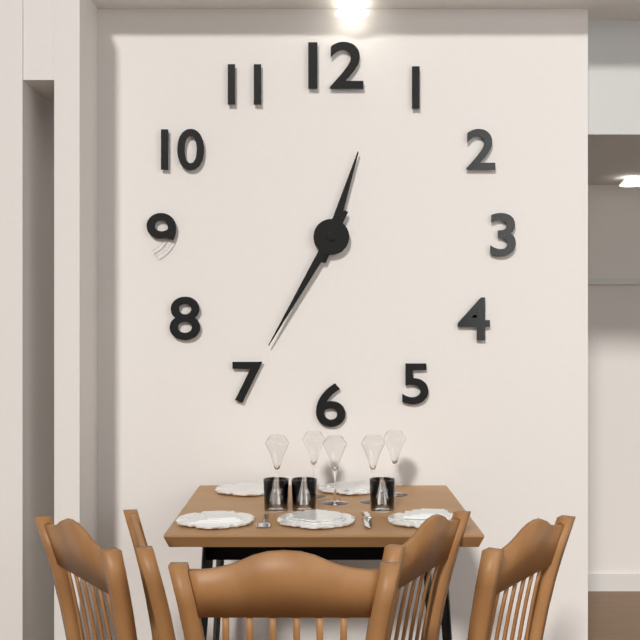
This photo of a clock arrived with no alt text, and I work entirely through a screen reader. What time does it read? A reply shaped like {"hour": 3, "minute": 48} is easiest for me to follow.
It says {"hour": 12, "minute": 35}
